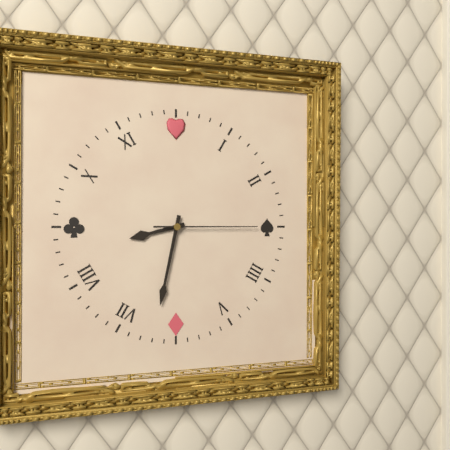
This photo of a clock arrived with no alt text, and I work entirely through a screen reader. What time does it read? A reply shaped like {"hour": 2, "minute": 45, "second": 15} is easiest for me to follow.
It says {"hour": 8, "minute": 32, "second": 15}
